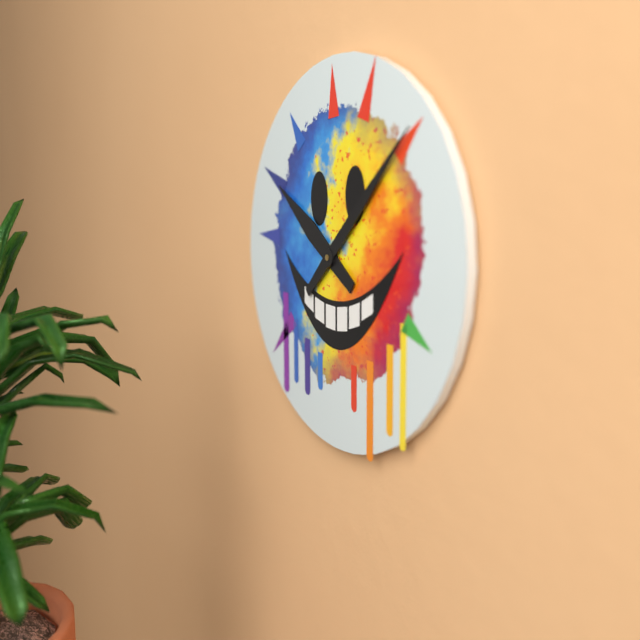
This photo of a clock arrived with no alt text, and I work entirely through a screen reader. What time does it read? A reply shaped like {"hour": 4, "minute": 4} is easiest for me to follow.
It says {"hour": 10, "minute": 8}
